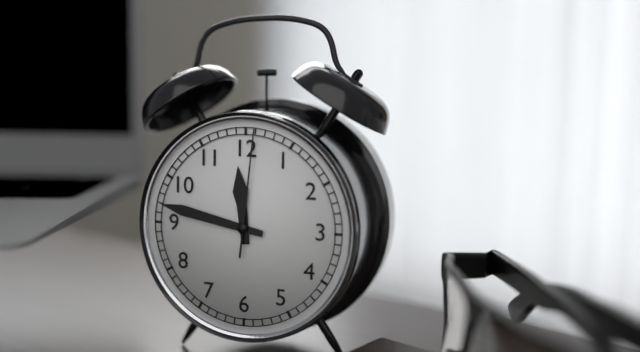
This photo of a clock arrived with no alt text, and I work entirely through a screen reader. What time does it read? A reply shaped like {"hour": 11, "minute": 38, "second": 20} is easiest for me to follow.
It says {"hour": 11, "minute": 47, "second": 1}
